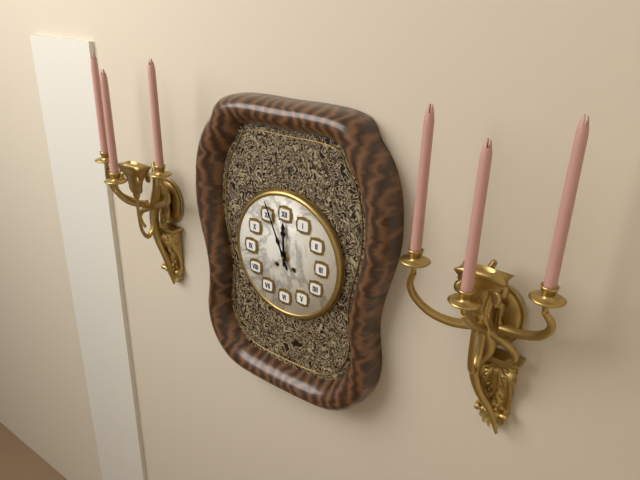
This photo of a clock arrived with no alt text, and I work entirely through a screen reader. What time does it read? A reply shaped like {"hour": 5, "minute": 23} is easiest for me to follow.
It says {"hour": 11, "minute": 56}
